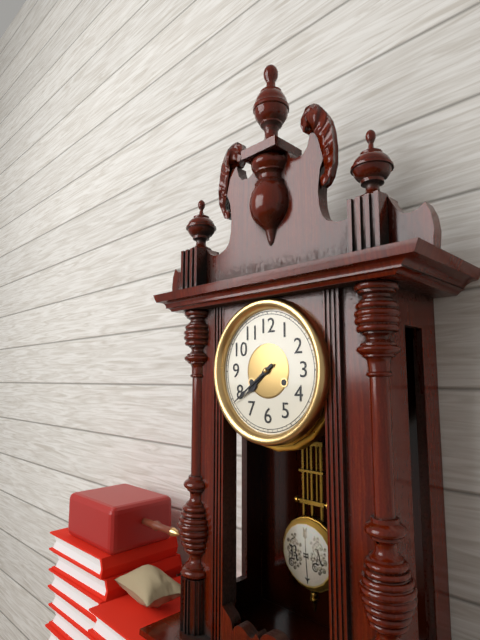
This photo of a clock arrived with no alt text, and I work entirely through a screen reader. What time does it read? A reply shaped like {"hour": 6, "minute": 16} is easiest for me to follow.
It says {"hour": 7, "minute": 39}
